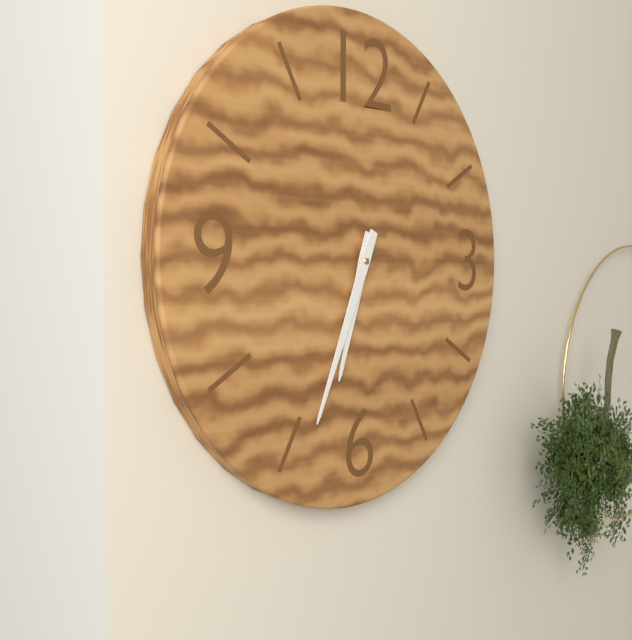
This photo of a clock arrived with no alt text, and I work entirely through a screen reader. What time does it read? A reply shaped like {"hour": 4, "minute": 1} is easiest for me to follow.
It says {"hour": 6, "minute": 34}
